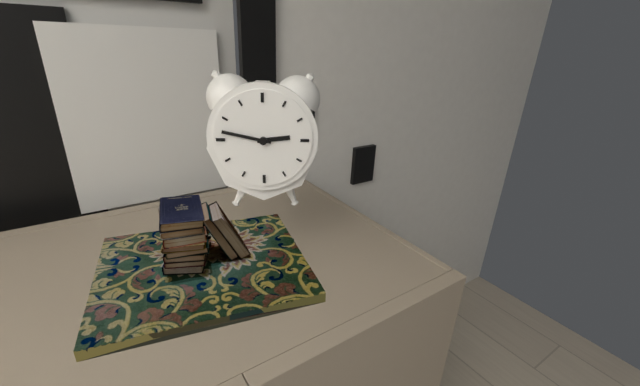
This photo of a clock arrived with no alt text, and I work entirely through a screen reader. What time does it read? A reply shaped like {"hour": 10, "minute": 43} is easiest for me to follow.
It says {"hour": 2, "minute": 47}
